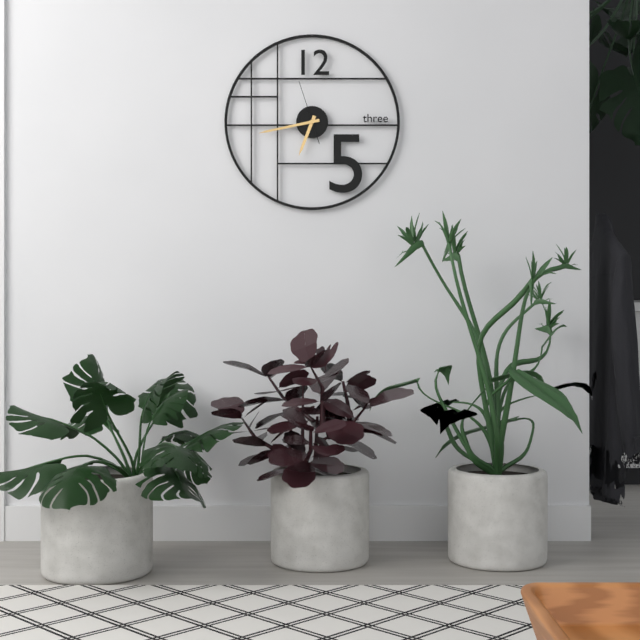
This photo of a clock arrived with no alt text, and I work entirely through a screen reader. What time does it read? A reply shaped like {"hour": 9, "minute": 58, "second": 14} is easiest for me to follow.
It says {"hour": 6, "minute": 43, "second": 57}
